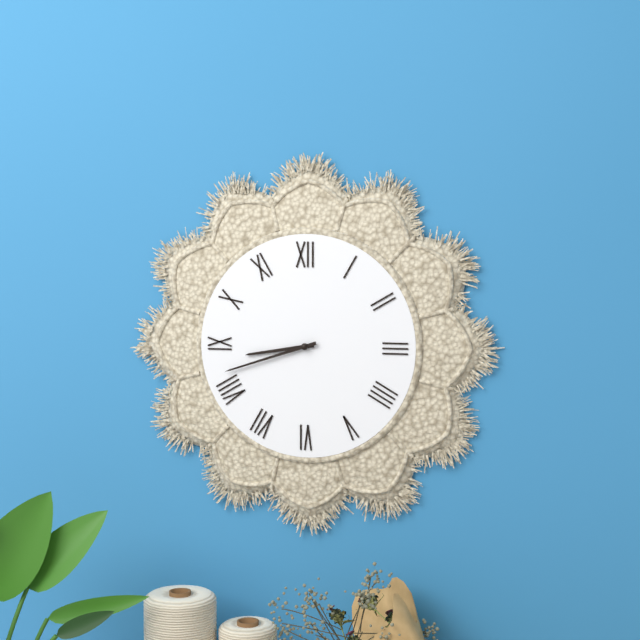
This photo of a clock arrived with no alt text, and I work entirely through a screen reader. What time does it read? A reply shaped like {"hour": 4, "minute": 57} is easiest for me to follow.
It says {"hour": 8, "minute": 42}
